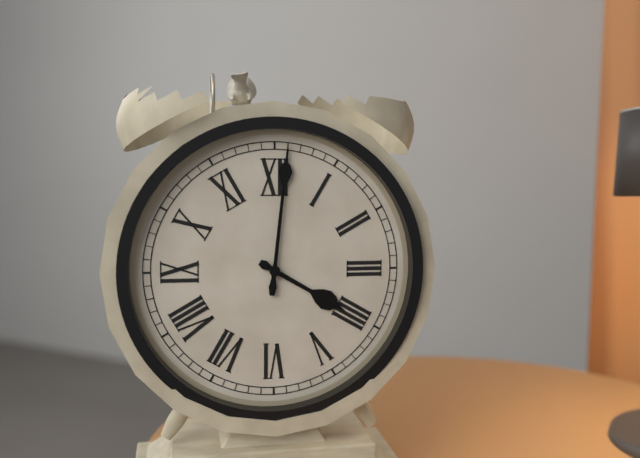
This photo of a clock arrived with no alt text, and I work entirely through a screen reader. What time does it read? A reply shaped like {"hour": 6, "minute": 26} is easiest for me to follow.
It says {"hour": 4, "minute": 1}
